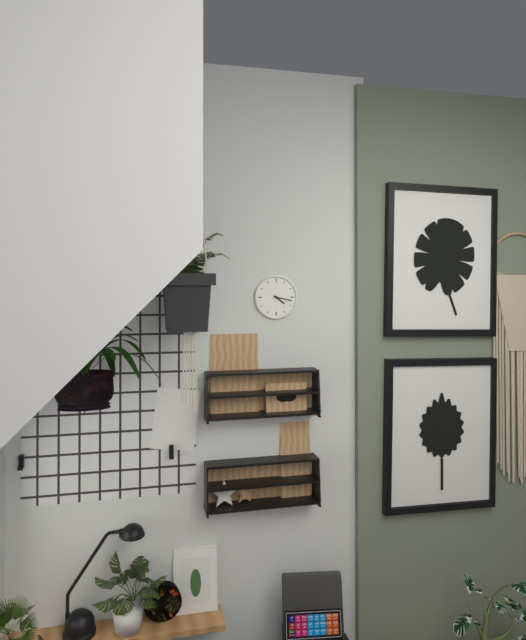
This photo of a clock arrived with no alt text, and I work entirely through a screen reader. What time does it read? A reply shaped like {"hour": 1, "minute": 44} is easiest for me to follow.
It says {"hour": 4, "minute": 17}
